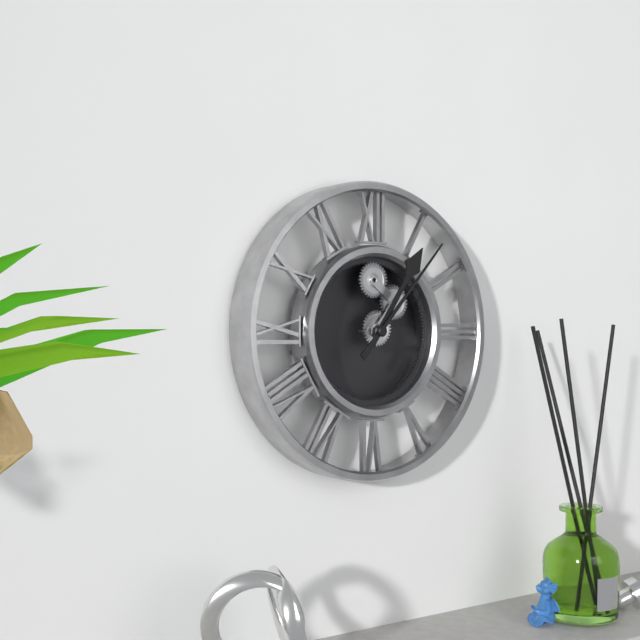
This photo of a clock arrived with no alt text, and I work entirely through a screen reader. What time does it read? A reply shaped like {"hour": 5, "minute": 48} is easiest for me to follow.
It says {"hour": 1, "minute": 7}
